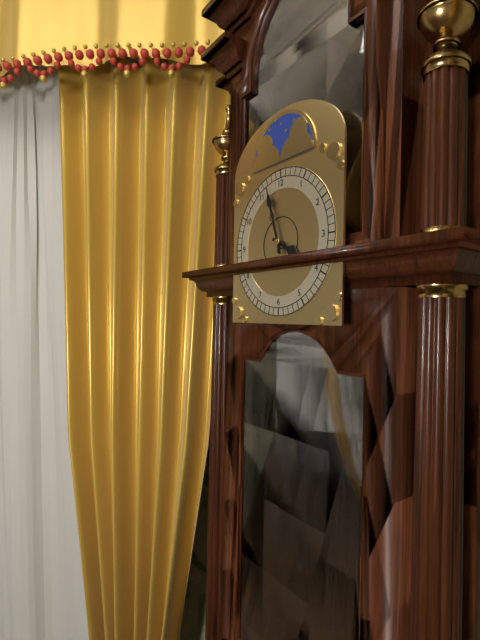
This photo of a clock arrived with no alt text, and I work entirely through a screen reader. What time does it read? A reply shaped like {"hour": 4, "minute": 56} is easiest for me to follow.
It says {"hour": 3, "minute": 57}
